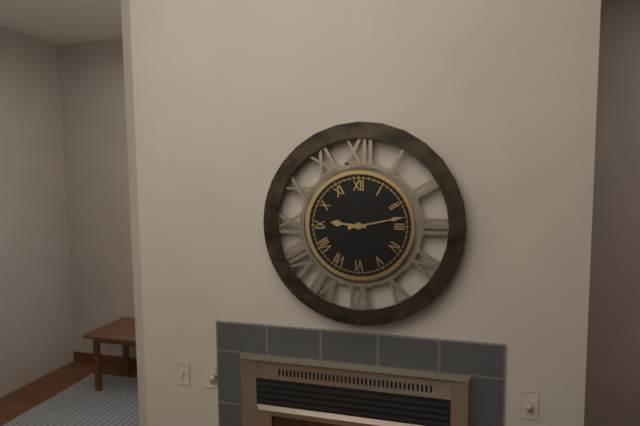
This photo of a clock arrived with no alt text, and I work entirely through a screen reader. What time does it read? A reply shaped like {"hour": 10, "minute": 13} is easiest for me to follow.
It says {"hour": 9, "minute": 13}
